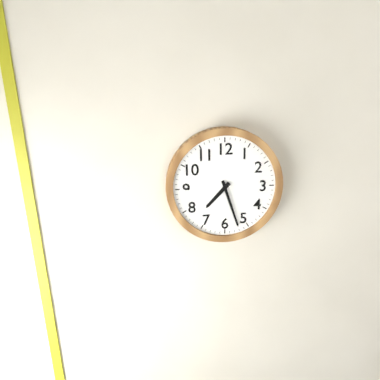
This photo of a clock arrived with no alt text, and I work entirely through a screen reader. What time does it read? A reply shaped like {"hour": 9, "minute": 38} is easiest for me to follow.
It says {"hour": 7, "minute": 27}
